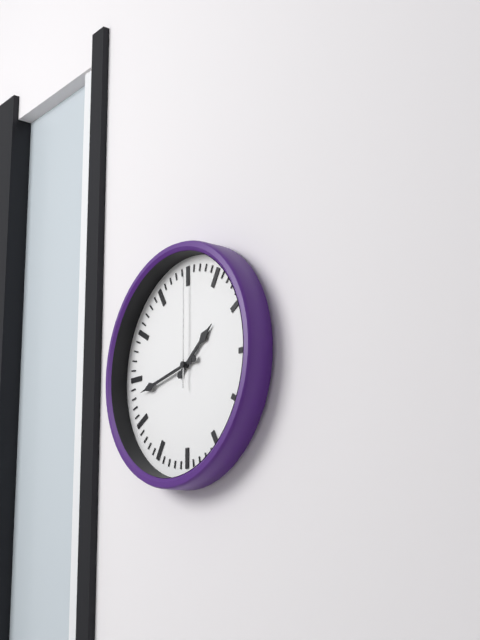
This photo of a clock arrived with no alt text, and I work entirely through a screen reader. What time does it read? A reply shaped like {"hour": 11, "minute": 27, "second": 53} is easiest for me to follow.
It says {"hour": 1, "minute": 43, "second": 0}
